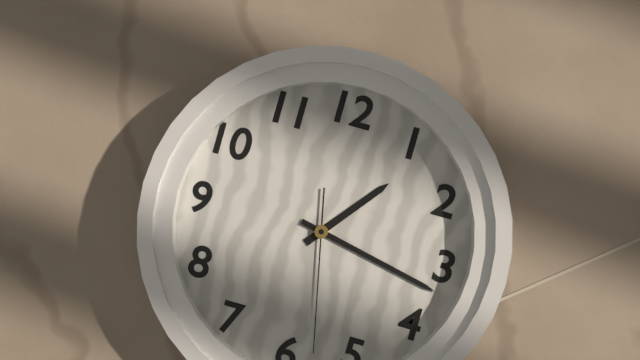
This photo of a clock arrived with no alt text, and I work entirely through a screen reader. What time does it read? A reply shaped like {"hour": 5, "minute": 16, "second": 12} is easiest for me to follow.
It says {"hour": 1, "minute": 17, "second": 28}
